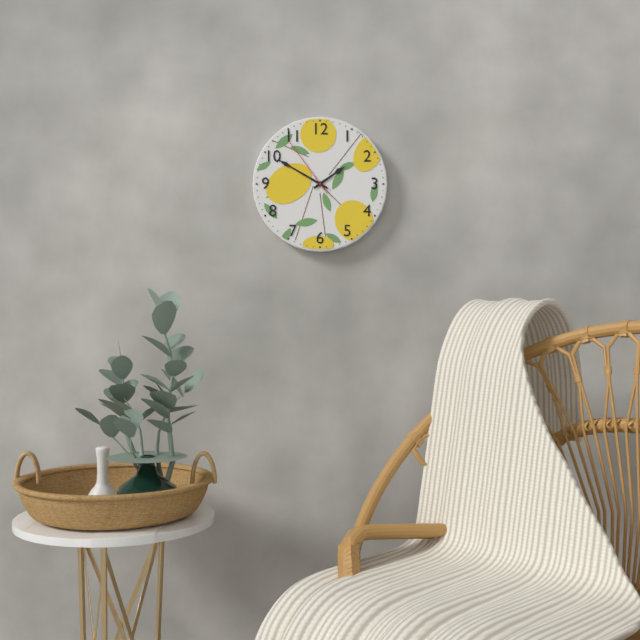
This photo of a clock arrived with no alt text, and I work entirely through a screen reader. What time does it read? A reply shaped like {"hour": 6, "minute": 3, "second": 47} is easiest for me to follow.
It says {"hour": 1, "minute": 50, "second": 54}
